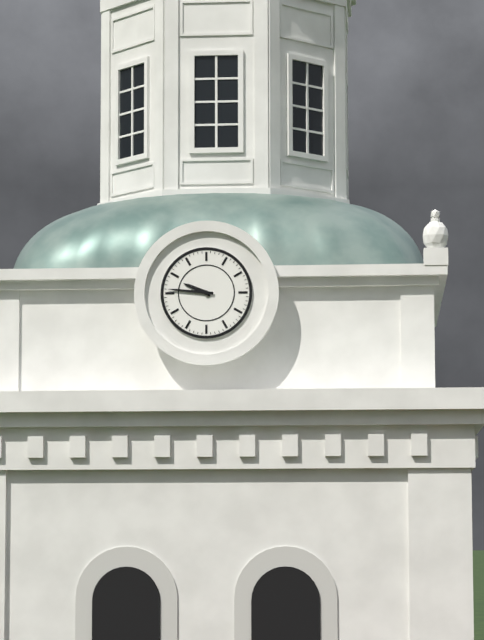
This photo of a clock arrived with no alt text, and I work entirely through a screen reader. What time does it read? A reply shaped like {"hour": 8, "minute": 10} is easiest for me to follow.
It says {"hour": 9, "minute": 46}
